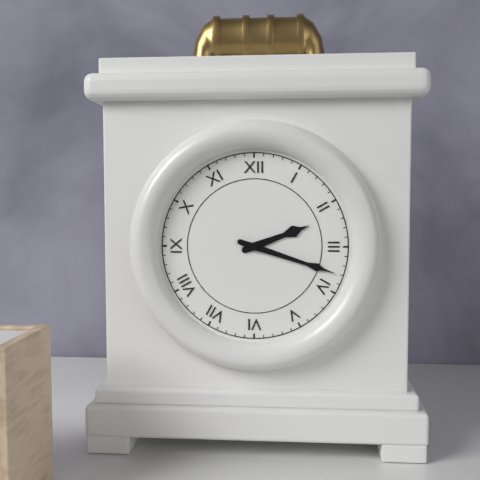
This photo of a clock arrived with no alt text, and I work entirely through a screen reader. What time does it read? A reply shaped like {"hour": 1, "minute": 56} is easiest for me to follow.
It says {"hour": 2, "minute": 18}
